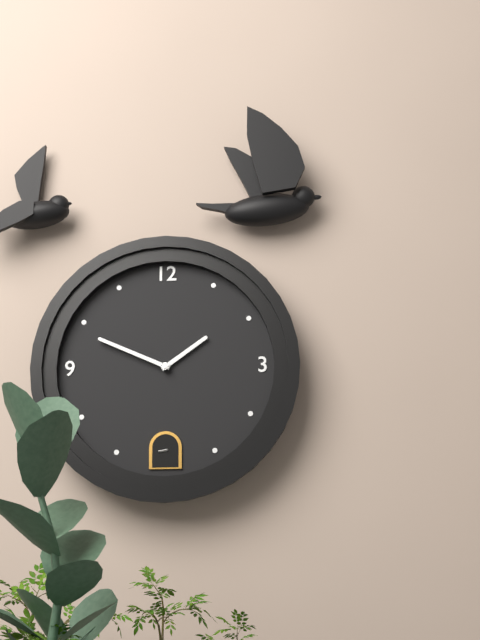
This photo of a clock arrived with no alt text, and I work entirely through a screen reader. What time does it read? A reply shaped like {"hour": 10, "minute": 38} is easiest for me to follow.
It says {"hour": 1, "minute": 49}
